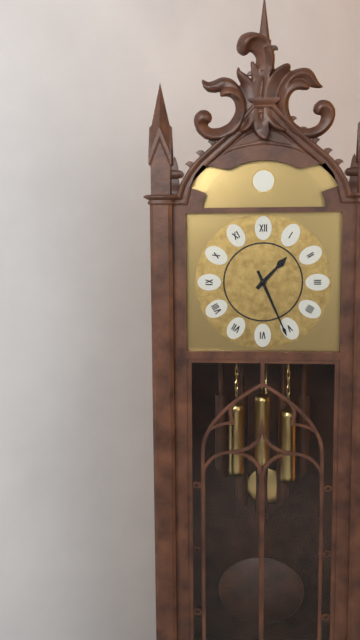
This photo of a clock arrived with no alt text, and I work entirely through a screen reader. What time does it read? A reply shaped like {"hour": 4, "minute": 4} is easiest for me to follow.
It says {"hour": 1, "minute": 26}
